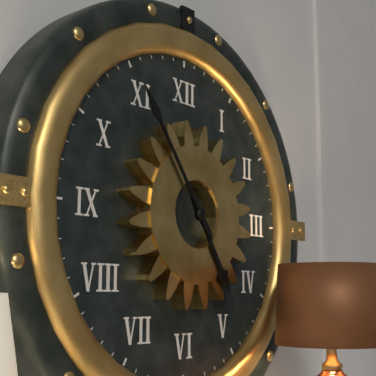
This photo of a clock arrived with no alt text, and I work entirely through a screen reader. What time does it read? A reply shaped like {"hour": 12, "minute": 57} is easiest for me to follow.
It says {"hour": 4, "minute": 54}
